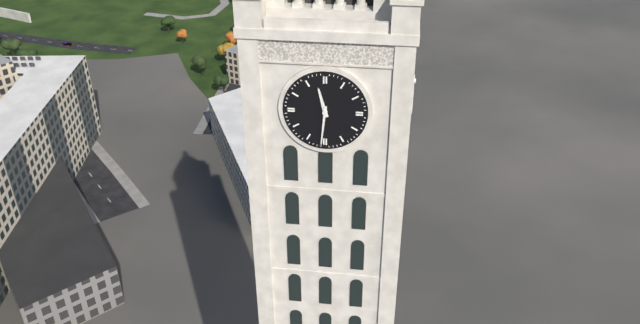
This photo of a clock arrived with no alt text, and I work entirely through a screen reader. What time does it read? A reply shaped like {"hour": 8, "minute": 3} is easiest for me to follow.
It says {"hour": 11, "minute": 31}
